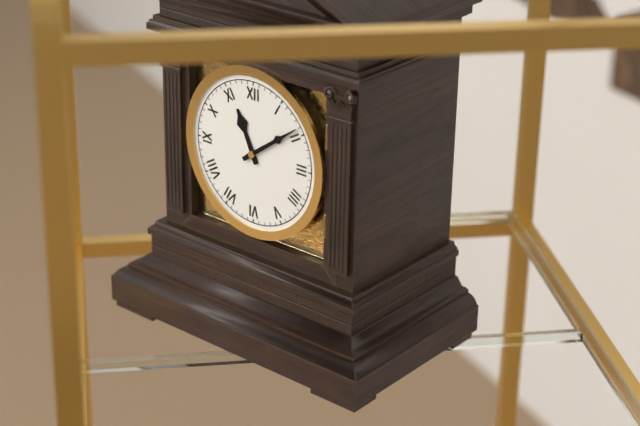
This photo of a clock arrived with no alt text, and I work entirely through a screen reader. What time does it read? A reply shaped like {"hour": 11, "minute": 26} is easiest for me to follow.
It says {"hour": 11, "minute": 9}
